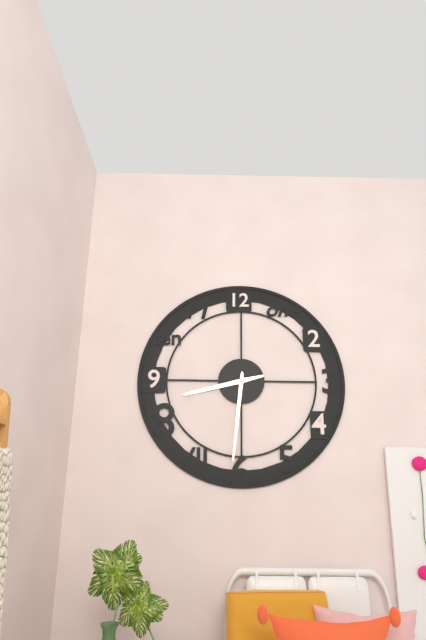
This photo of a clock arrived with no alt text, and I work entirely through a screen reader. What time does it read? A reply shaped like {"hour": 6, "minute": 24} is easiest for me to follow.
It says {"hour": 8, "minute": 31}
